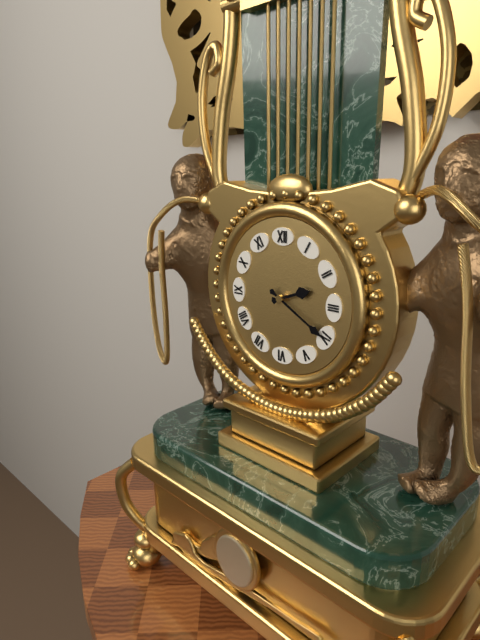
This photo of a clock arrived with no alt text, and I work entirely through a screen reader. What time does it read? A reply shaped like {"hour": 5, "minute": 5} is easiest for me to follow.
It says {"hour": 2, "minute": 20}
